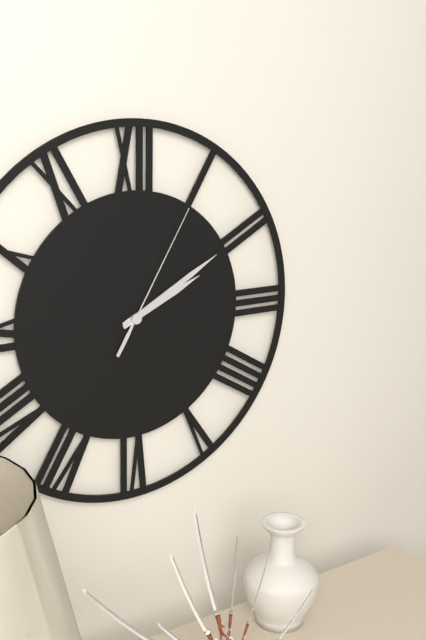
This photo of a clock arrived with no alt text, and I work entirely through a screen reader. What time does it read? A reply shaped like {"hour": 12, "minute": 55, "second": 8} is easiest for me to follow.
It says {"hour": 2, "minute": 10, "second": 5}
